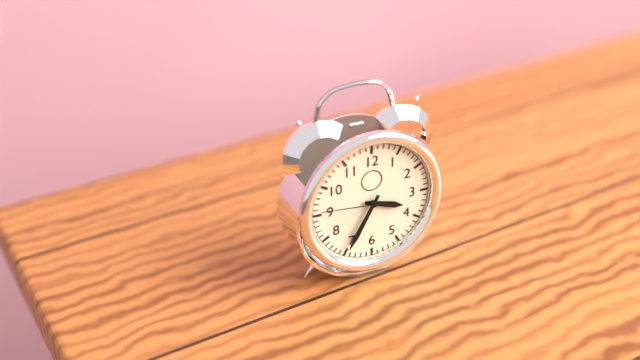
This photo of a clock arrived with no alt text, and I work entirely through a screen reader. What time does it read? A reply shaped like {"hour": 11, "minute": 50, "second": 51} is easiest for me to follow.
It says {"hour": 3, "minute": 35, "second": 46}
